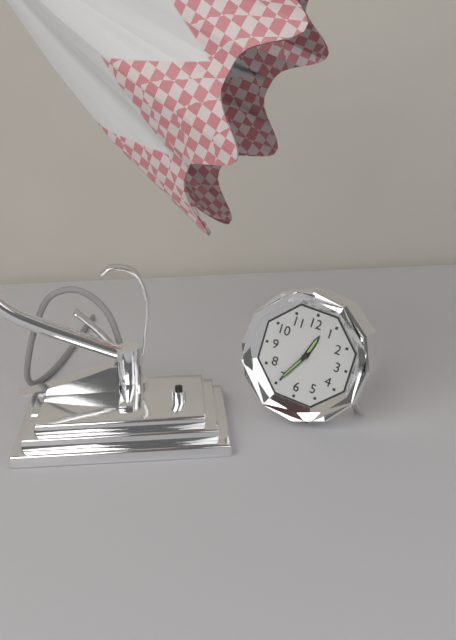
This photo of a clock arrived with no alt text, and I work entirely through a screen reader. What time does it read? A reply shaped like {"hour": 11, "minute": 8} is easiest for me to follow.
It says {"hour": 12, "minute": 35}
